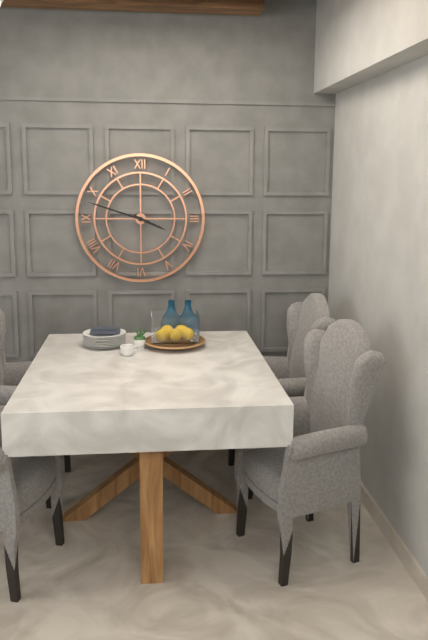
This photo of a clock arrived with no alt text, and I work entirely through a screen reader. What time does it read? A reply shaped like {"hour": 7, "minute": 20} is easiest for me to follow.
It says {"hour": 3, "minute": 48}
